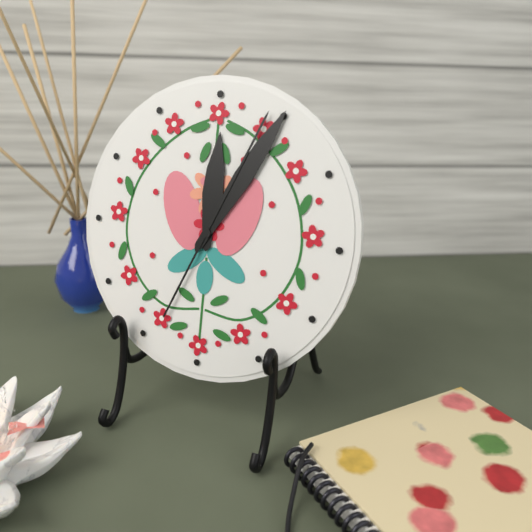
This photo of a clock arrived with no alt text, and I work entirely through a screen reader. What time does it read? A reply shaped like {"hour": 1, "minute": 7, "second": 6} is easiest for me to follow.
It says {"hour": 12, "minute": 5, "second": 4}
